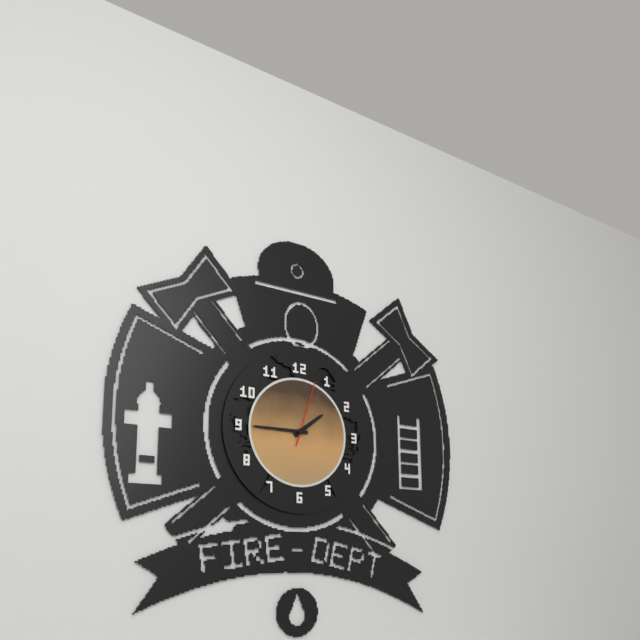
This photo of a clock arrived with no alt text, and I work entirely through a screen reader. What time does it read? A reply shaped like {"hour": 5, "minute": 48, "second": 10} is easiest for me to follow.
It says {"hour": 1, "minute": 45, "second": 3}
